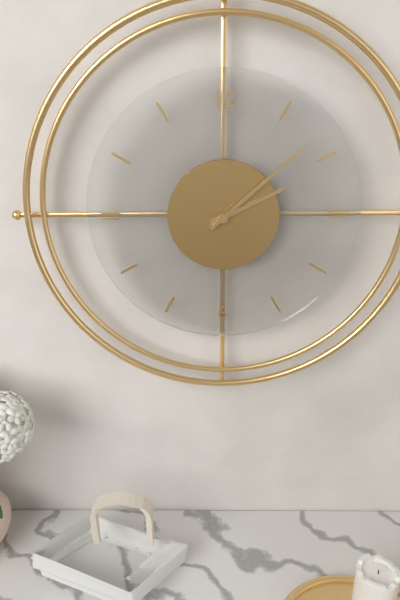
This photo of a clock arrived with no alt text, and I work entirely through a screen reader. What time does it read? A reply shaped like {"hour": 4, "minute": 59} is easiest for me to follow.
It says {"hour": 2, "minute": 8}
